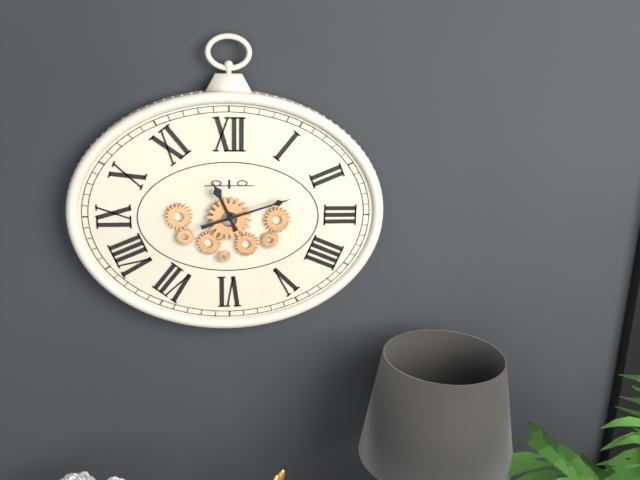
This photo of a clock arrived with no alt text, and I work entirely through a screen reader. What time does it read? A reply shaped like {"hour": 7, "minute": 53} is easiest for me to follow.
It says {"hour": 11, "minute": 12}
